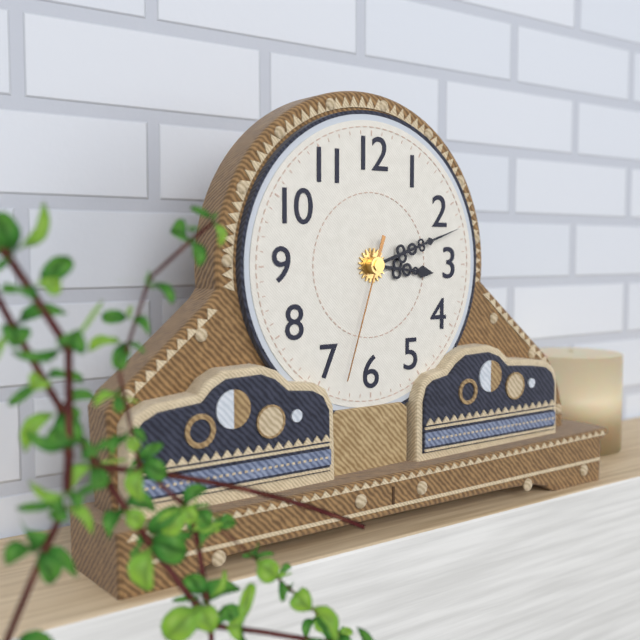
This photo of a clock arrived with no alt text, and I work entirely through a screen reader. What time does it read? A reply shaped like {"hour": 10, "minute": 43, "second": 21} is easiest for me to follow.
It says {"hour": 3, "minute": 12, "second": 33}
